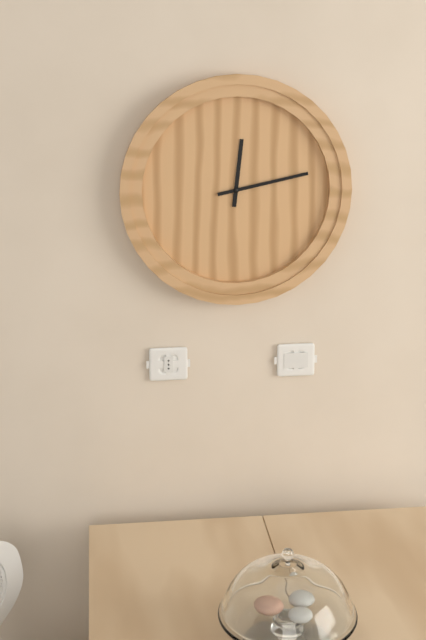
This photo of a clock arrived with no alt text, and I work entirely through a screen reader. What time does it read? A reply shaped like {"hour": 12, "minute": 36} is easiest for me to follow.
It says {"hour": 12, "minute": 13}
